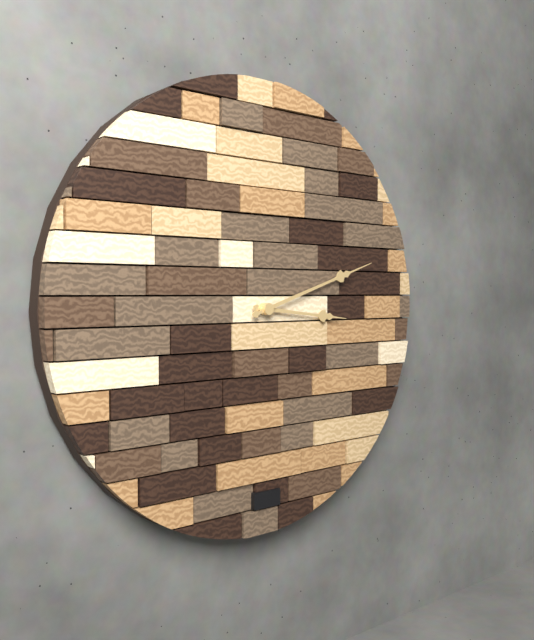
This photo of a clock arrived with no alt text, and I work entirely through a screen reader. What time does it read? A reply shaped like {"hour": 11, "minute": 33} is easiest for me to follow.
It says {"hour": 3, "minute": 12}
